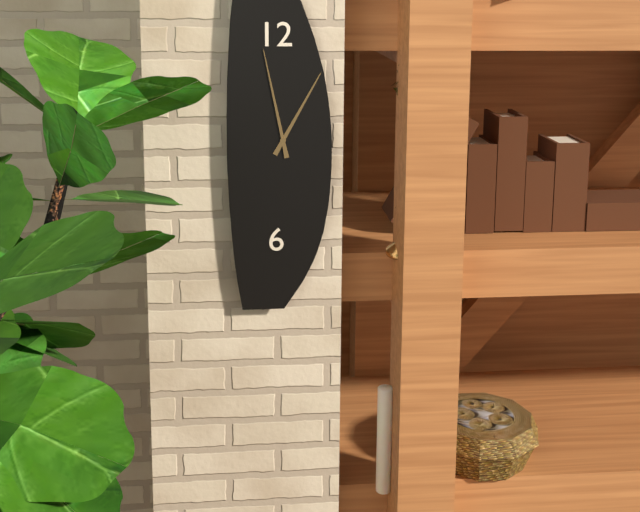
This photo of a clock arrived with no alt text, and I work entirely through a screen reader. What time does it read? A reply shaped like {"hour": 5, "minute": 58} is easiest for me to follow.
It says {"hour": 12, "minute": 58}
